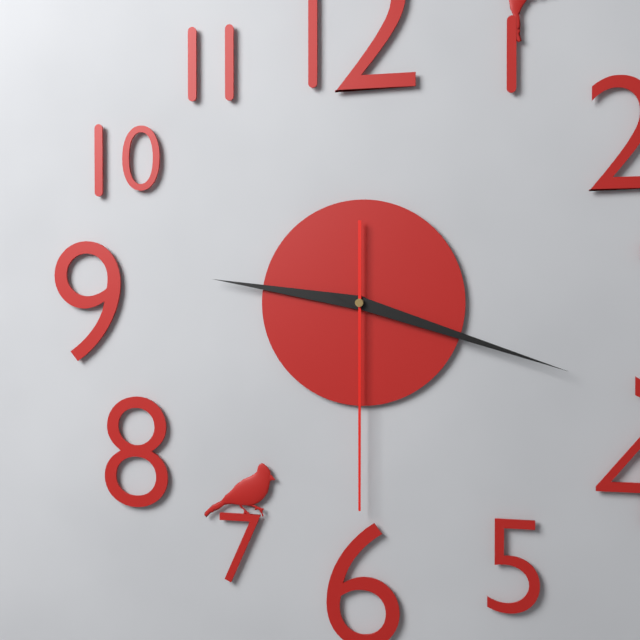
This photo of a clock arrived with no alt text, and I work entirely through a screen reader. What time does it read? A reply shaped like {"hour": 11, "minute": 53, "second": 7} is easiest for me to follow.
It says {"hour": 9, "minute": 18, "second": 30}
